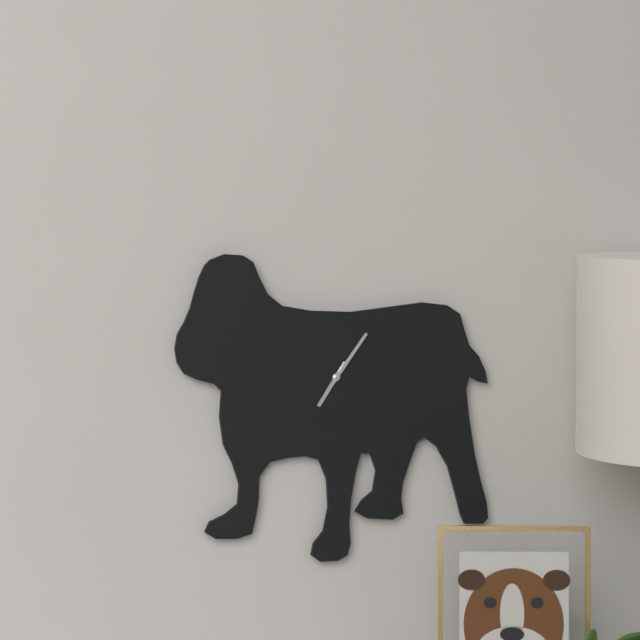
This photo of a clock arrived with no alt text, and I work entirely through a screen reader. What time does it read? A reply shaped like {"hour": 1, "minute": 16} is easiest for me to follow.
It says {"hour": 7, "minute": 6}
